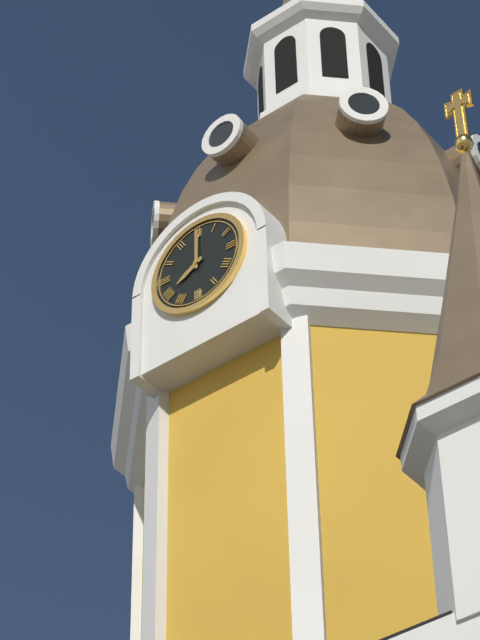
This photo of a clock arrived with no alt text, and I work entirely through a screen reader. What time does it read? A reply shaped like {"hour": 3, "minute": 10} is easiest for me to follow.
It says {"hour": 8, "minute": 0}
